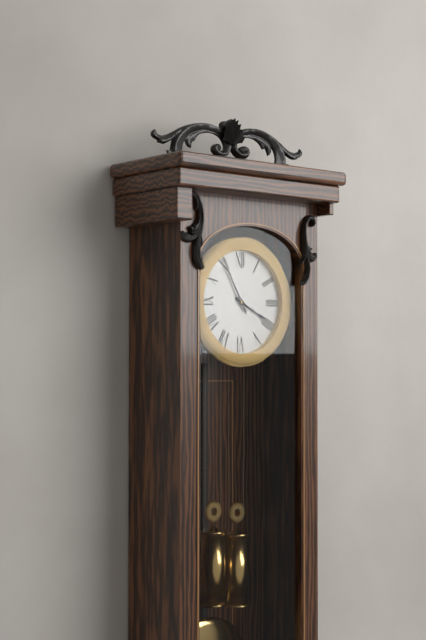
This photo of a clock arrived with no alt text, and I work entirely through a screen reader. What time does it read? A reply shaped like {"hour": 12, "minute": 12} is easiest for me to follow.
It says {"hour": 3, "minute": 55}
